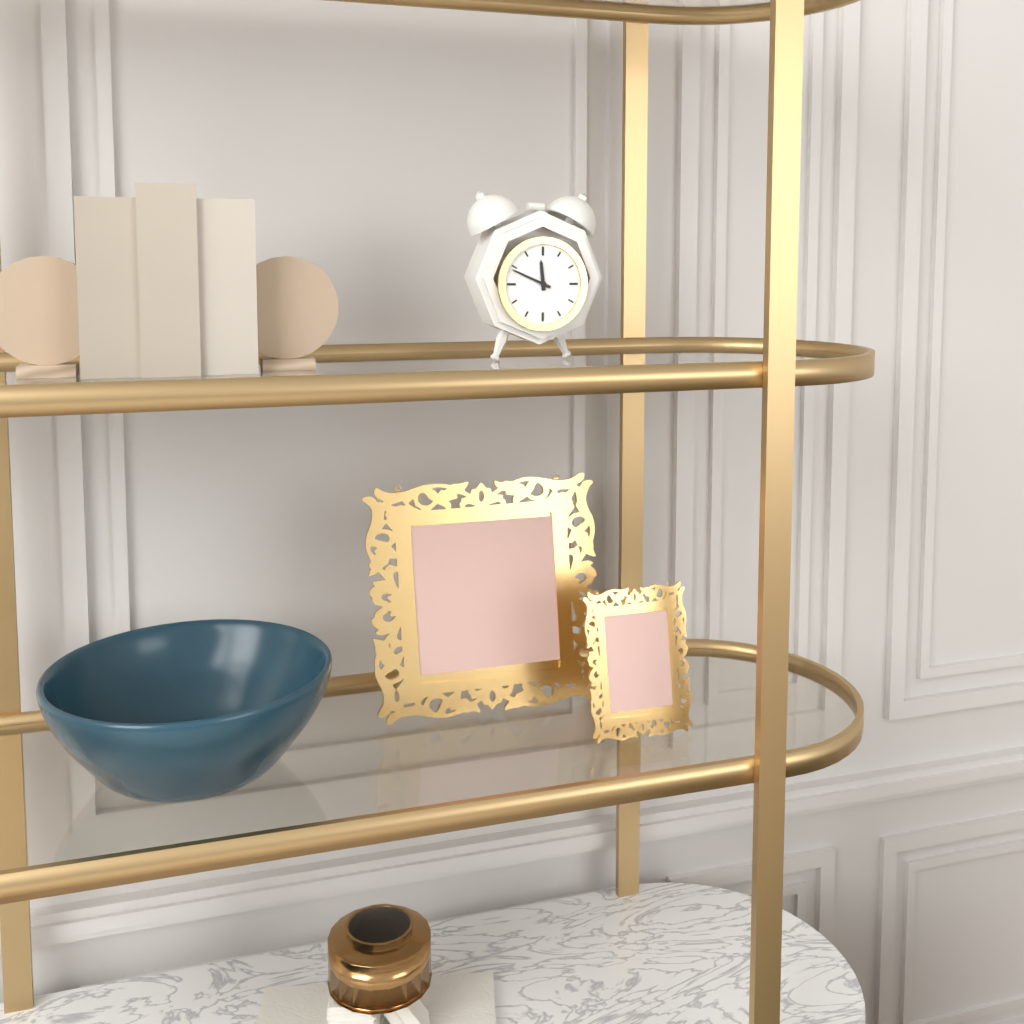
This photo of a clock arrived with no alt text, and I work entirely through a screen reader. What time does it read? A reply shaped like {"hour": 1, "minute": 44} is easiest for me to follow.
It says {"hour": 11, "minute": 49}
